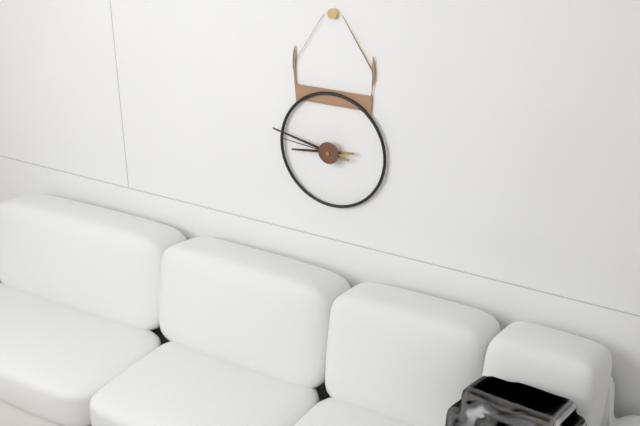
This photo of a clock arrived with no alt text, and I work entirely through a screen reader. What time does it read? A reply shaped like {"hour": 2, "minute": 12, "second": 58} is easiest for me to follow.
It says {"hour": 8, "minute": 47, "second": 46}
